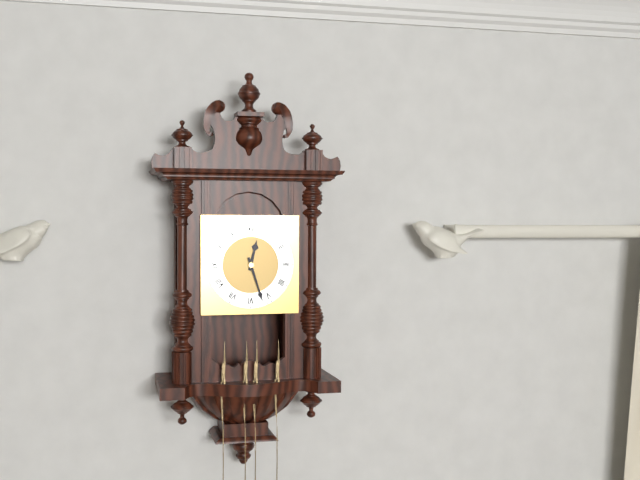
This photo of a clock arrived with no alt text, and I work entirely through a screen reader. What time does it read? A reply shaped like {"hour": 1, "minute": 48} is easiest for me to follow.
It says {"hour": 12, "minute": 27}
